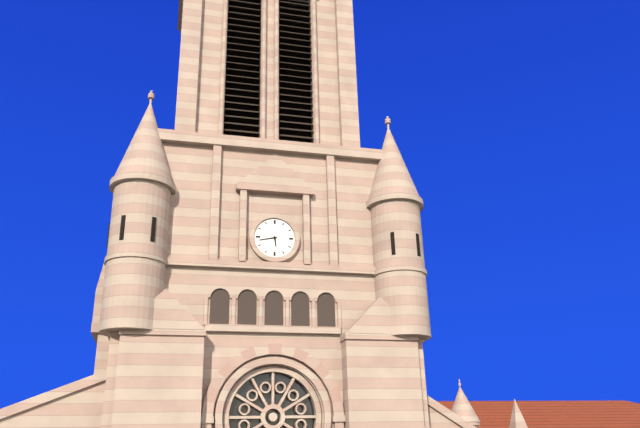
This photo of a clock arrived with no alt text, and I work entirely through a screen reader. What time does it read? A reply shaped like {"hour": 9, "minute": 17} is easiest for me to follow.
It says {"hour": 5, "minute": 43}
